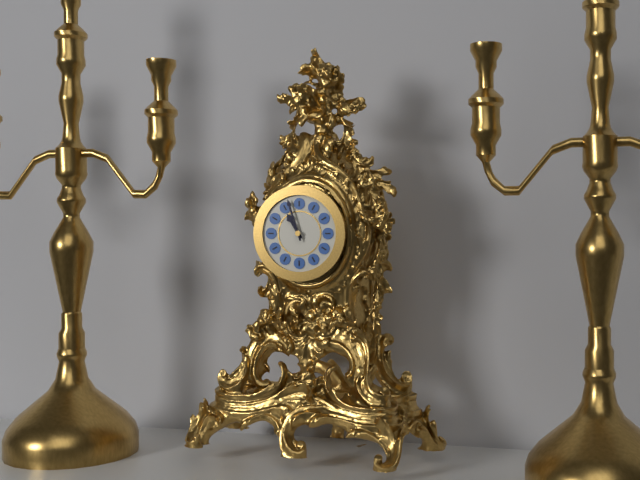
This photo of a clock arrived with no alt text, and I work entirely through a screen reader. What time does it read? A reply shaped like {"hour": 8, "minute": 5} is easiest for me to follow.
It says {"hour": 10, "minute": 57}
